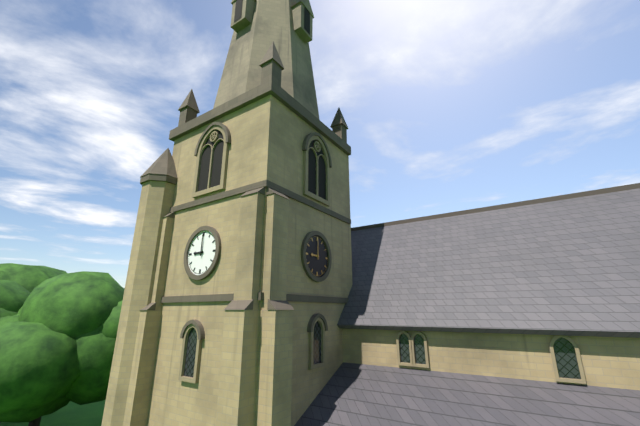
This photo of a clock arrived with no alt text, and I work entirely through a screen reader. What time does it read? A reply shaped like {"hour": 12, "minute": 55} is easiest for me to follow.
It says {"hour": 9, "minute": 0}
